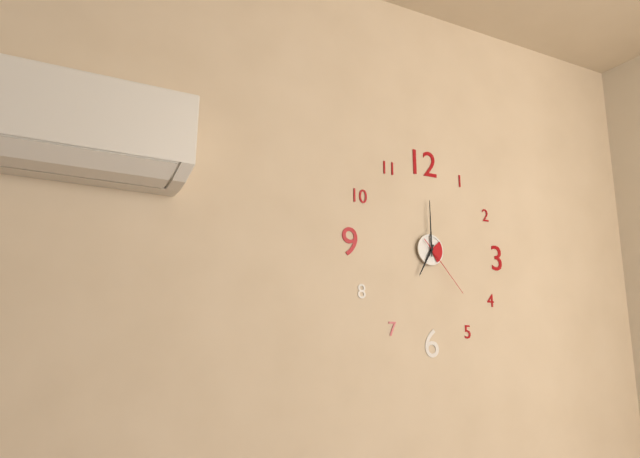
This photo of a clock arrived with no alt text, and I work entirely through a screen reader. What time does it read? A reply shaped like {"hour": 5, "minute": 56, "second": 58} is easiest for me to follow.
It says {"hour": 7, "minute": 0, "second": 23}
